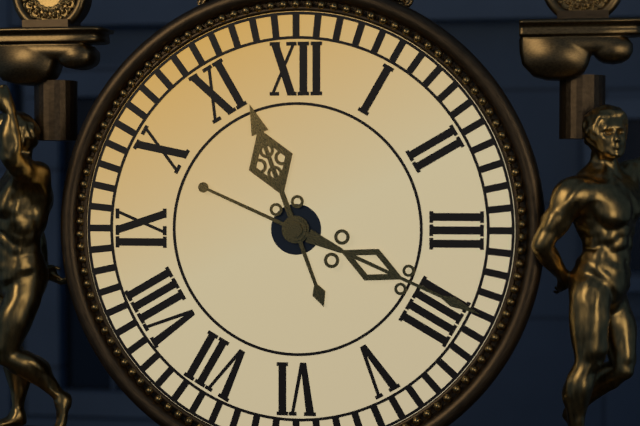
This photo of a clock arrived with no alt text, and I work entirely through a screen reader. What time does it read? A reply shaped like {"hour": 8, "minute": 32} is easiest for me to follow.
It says {"hour": 11, "minute": 19}
